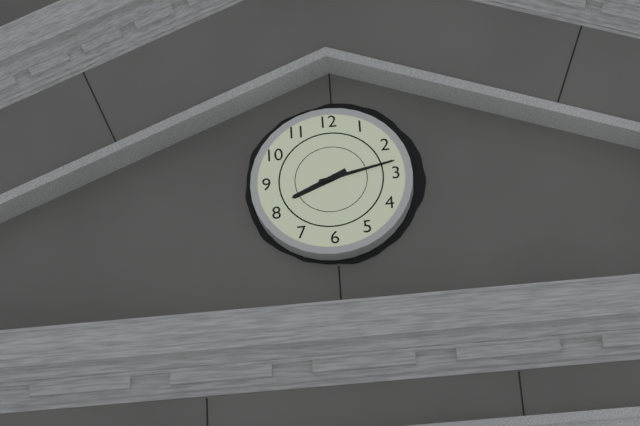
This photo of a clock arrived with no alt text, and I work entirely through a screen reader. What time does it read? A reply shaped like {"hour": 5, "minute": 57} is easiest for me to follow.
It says {"hour": 8, "minute": 13}
